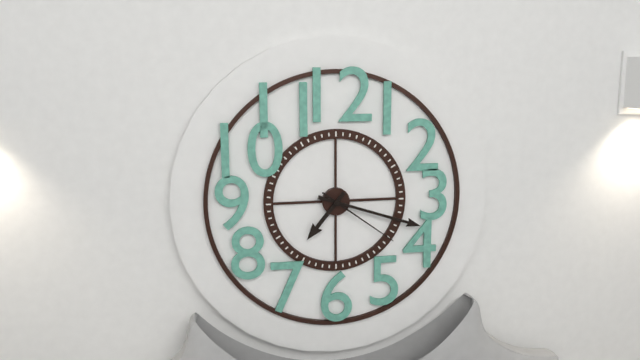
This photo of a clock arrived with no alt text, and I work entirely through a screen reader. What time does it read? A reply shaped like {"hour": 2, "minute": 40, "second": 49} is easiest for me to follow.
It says {"hour": 7, "minute": 18, "second": 21}
